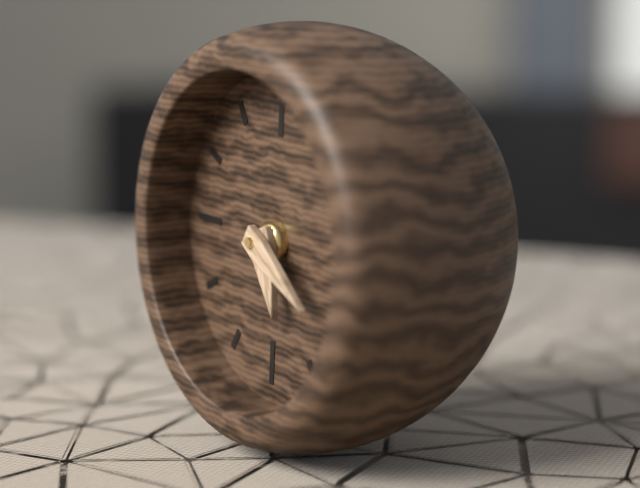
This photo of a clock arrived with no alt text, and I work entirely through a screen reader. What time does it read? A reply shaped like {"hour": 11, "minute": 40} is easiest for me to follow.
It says {"hour": 5, "minute": 20}
